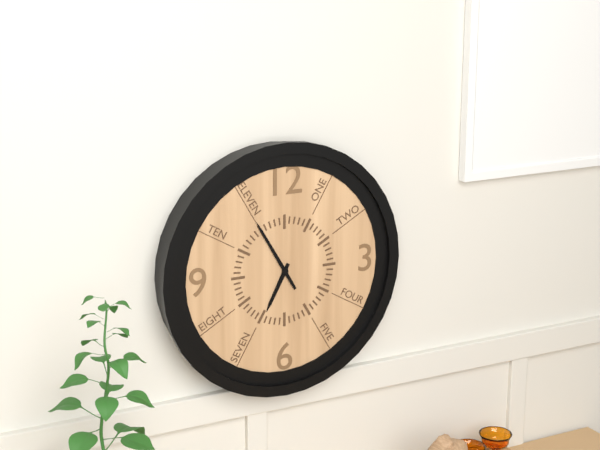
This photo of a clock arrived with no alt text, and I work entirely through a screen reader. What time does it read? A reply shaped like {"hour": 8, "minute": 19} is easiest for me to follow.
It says {"hour": 6, "minute": 55}
